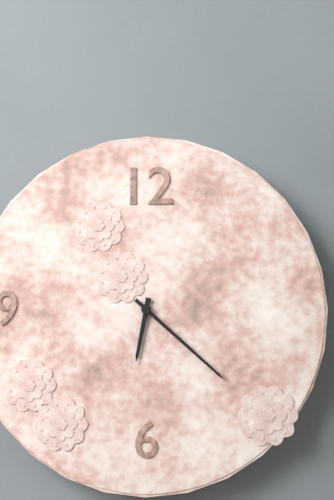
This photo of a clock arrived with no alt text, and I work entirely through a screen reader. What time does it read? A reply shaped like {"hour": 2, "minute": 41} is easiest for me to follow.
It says {"hour": 6, "minute": 22}
